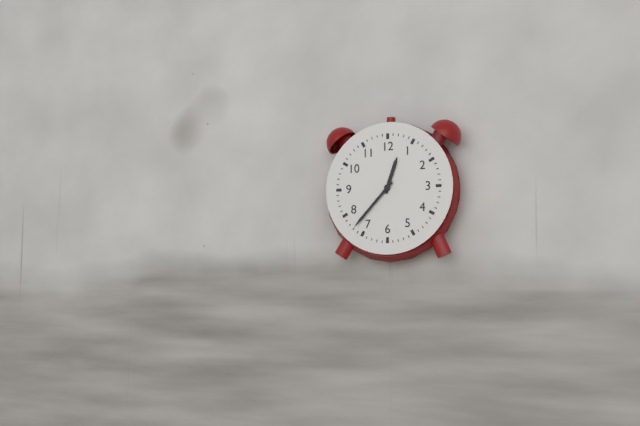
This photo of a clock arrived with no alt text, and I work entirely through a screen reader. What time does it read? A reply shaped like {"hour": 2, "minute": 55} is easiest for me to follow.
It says {"hour": 12, "minute": 37}
